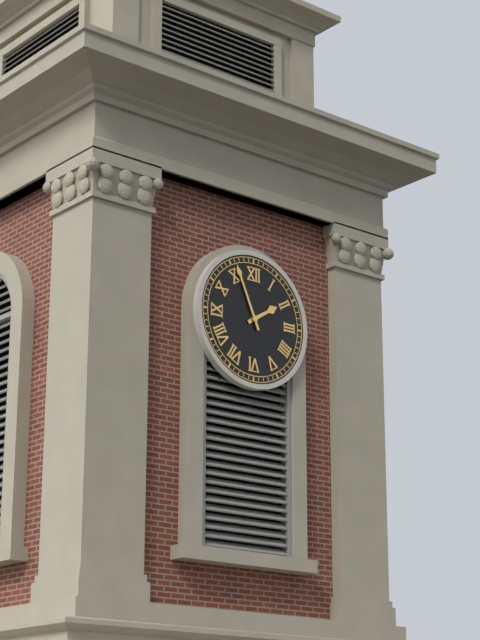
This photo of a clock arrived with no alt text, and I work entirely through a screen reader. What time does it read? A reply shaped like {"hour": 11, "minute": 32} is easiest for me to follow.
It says {"hour": 1, "minute": 56}
